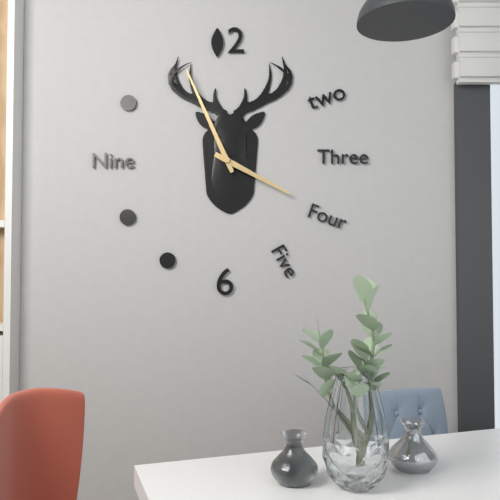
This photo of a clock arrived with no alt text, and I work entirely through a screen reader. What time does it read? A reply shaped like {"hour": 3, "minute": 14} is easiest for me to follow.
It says {"hour": 3, "minute": 56}
